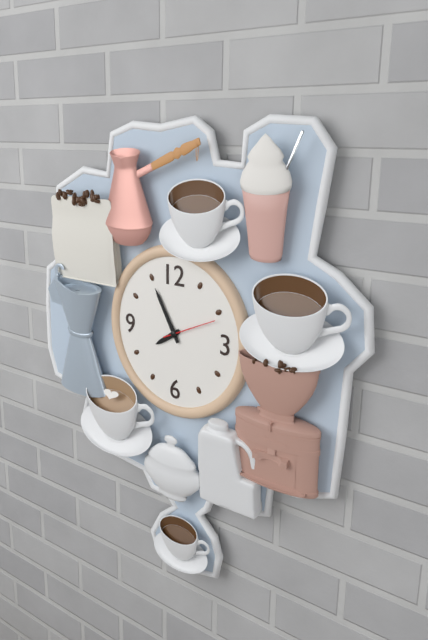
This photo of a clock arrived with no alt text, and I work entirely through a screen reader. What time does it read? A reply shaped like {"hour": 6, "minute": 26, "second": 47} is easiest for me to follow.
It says {"hour": 7, "minute": 55, "second": 11}
